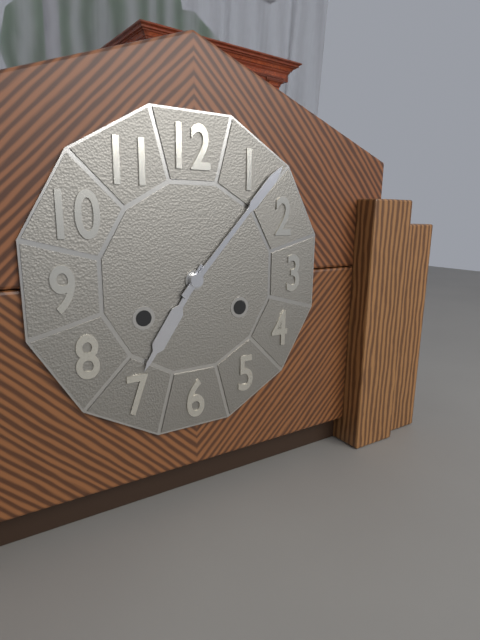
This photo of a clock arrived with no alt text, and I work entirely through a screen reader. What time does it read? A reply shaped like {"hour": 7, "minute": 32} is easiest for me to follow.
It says {"hour": 7, "minute": 7}
